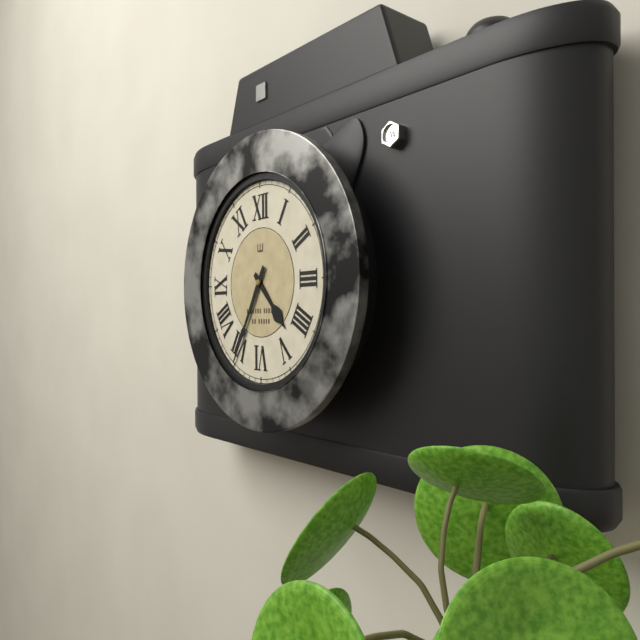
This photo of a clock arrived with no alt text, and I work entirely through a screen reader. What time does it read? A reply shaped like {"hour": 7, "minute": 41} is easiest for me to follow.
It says {"hour": 4, "minute": 35}
